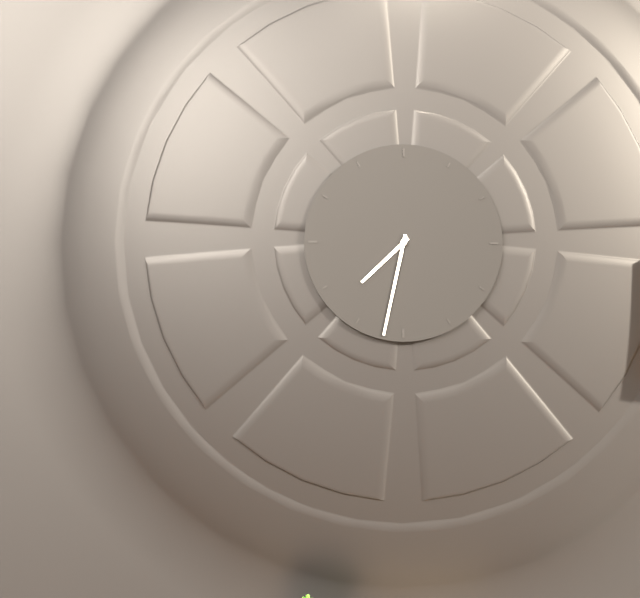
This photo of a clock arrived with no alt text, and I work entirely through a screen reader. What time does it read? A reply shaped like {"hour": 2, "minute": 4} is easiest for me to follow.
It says {"hour": 7, "minute": 32}
